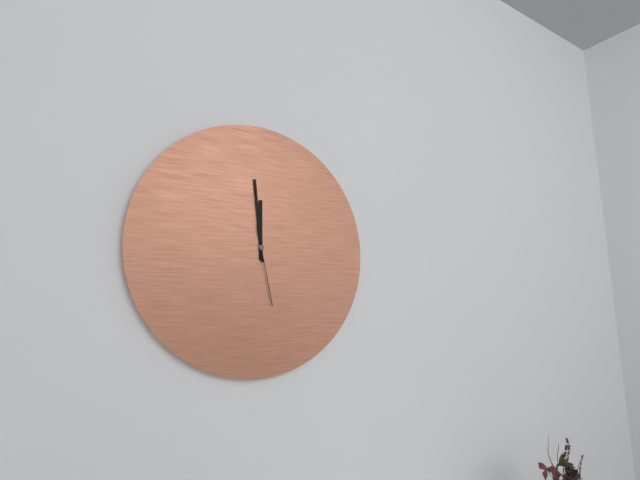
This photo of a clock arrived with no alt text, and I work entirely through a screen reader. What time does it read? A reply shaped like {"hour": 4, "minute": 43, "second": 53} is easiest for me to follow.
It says {"hour": 11, "minute": 59, "second": 28}
